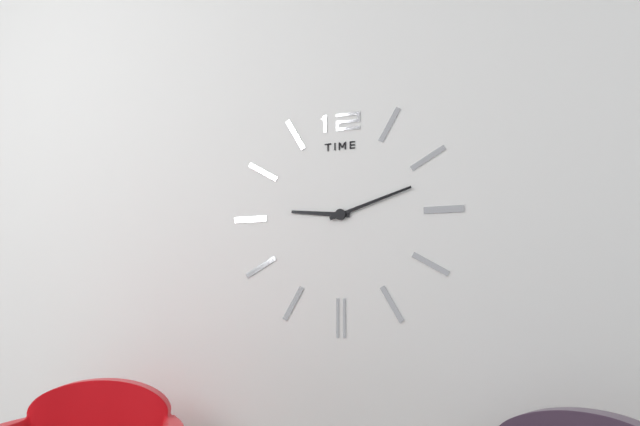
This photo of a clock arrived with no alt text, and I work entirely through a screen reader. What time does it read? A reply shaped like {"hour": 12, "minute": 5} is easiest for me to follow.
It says {"hour": 9, "minute": 12}
